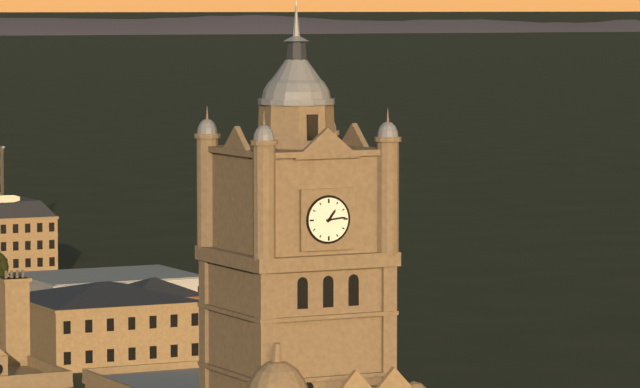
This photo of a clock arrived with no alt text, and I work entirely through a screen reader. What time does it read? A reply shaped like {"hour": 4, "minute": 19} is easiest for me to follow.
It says {"hour": 1, "minute": 14}
